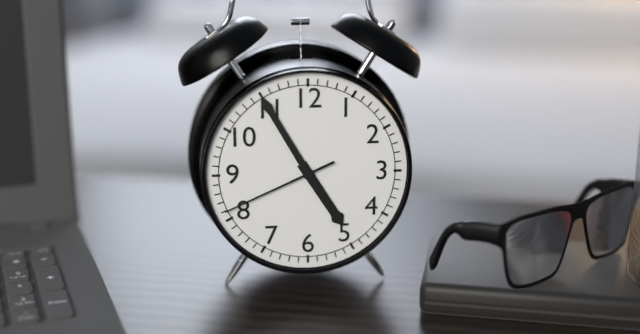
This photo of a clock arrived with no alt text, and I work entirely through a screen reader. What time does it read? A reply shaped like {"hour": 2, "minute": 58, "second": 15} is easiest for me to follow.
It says {"hour": 4, "minute": 55, "second": 41}
